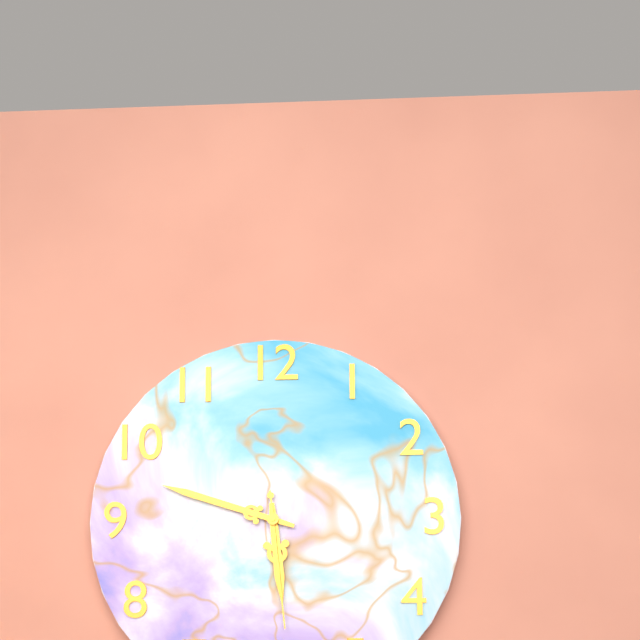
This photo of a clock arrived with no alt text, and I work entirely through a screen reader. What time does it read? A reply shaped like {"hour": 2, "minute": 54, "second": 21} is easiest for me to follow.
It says {"hour": 5, "minute": 48, "second": 29}
